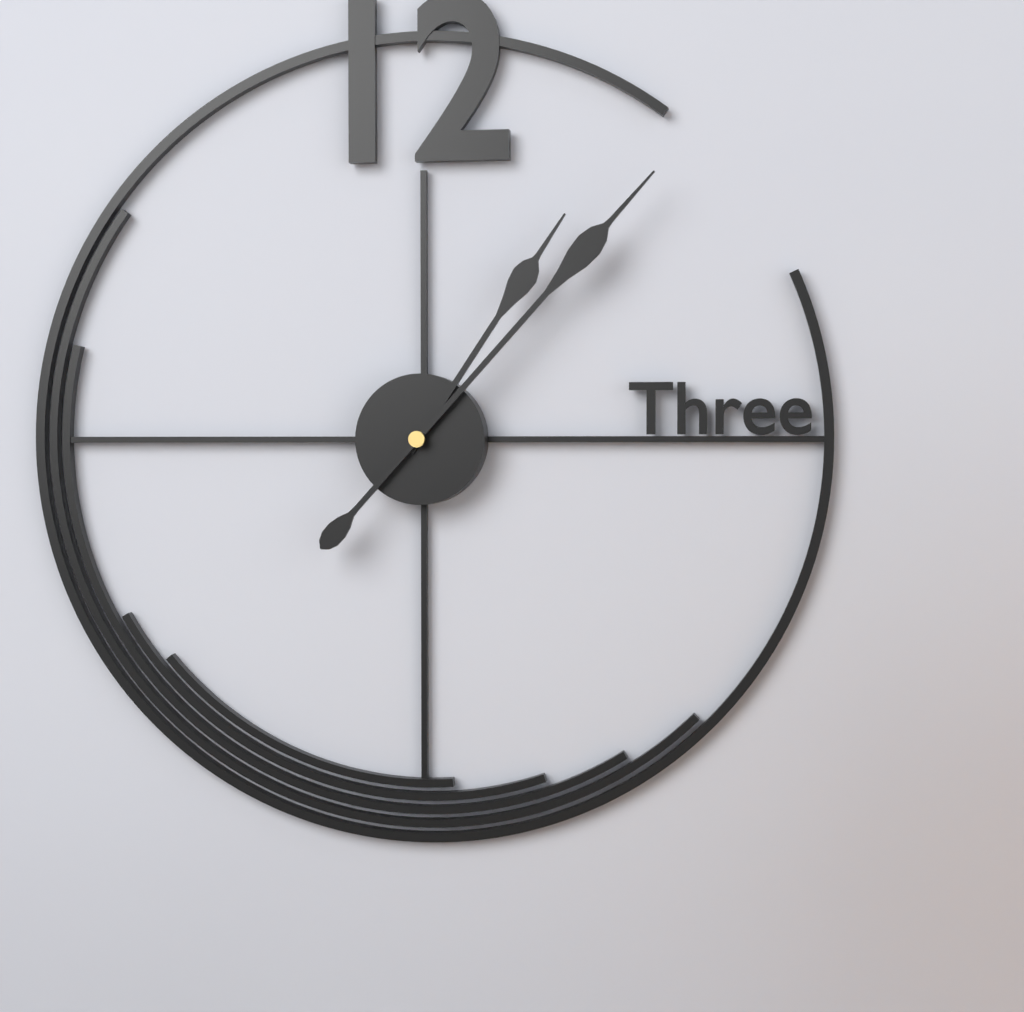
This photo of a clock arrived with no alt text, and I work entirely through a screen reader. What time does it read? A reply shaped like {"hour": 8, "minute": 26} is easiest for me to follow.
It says {"hour": 1, "minute": 7}
